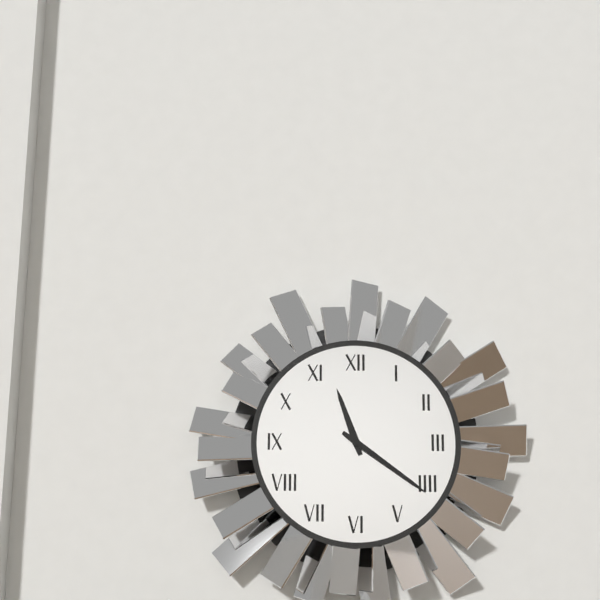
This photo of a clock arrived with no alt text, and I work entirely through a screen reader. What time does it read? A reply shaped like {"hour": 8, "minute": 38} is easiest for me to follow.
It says {"hour": 11, "minute": 21}
